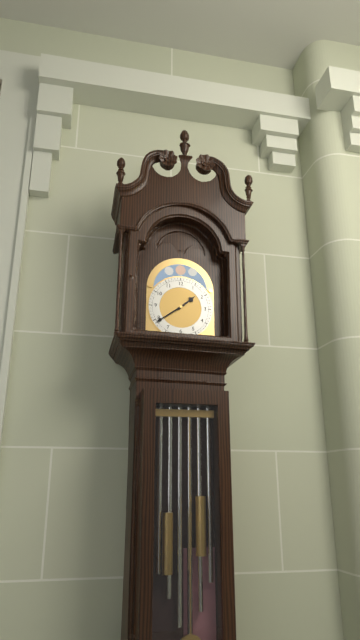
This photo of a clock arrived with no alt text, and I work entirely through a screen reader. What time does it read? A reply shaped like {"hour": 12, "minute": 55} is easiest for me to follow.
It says {"hour": 1, "minute": 39}
